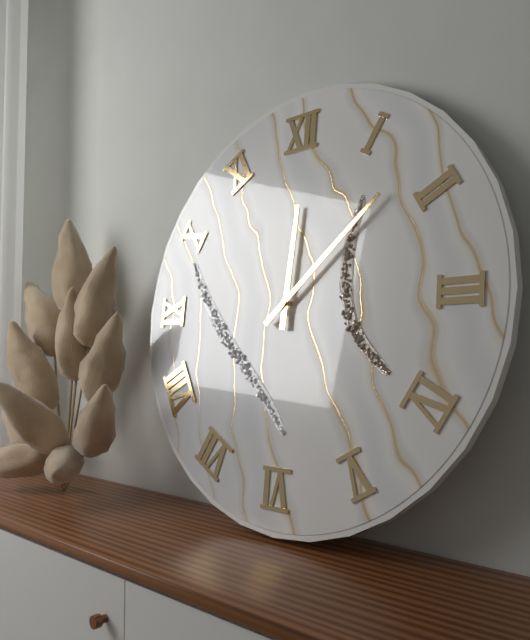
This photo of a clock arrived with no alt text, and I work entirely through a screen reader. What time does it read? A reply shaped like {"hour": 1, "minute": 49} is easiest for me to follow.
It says {"hour": 12, "minute": 8}
